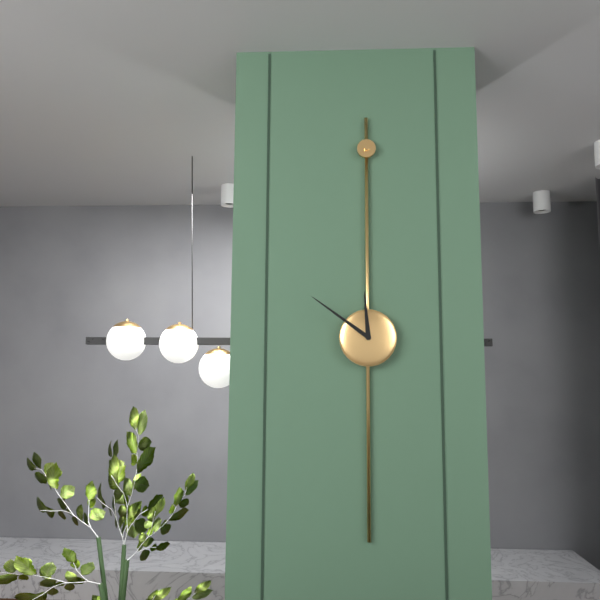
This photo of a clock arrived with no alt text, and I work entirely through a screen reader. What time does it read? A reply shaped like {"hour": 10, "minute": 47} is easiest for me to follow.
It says {"hour": 11, "minute": 51}
